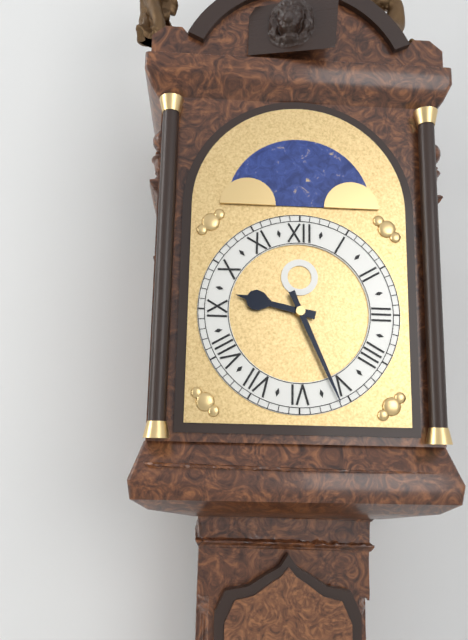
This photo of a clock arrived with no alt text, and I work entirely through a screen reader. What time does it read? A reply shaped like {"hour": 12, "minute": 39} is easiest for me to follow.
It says {"hour": 9, "minute": 26}
